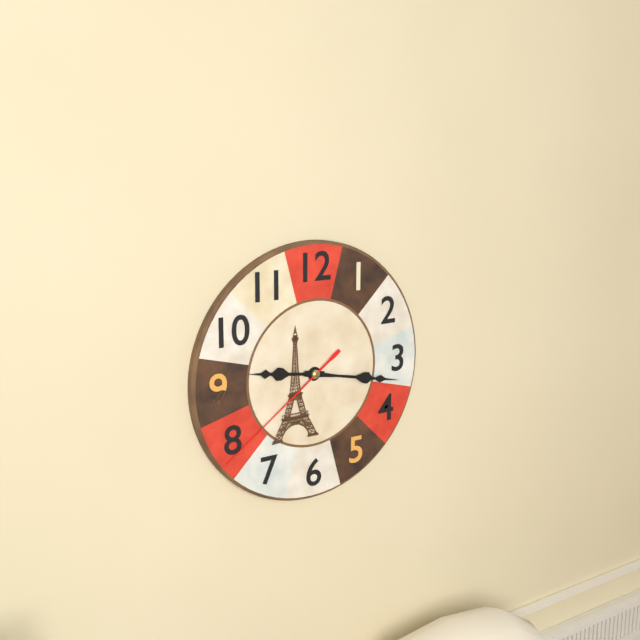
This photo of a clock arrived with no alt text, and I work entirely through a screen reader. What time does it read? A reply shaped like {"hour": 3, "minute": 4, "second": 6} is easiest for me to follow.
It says {"hour": 9, "minute": 17, "second": 39}
